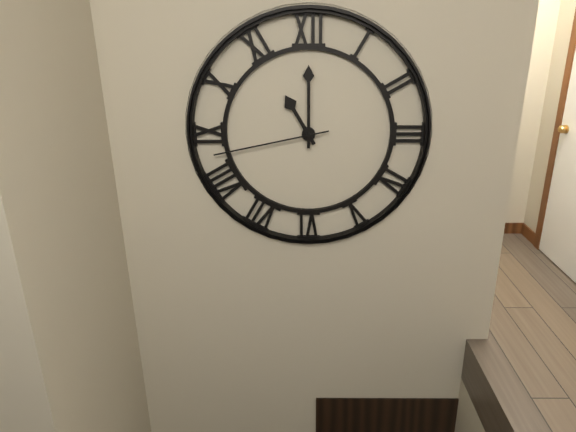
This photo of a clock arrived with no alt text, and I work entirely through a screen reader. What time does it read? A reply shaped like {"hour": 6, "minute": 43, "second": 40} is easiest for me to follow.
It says {"hour": 11, "minute": 0, "second": 43}
